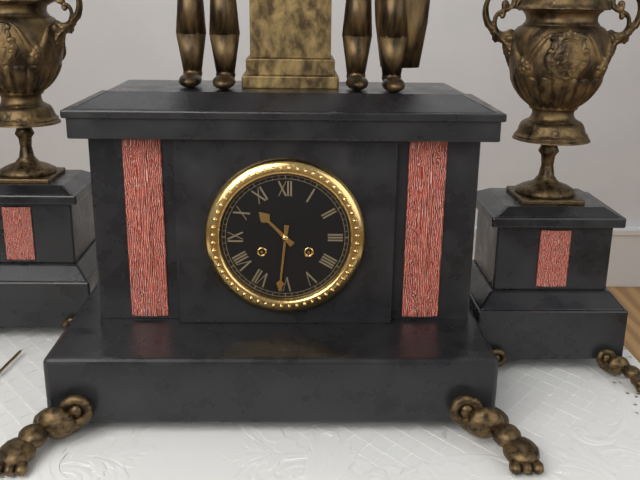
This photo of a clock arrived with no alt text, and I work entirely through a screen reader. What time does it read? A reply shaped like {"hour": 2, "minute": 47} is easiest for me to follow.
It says {"hour": 10, "minute": 31}
